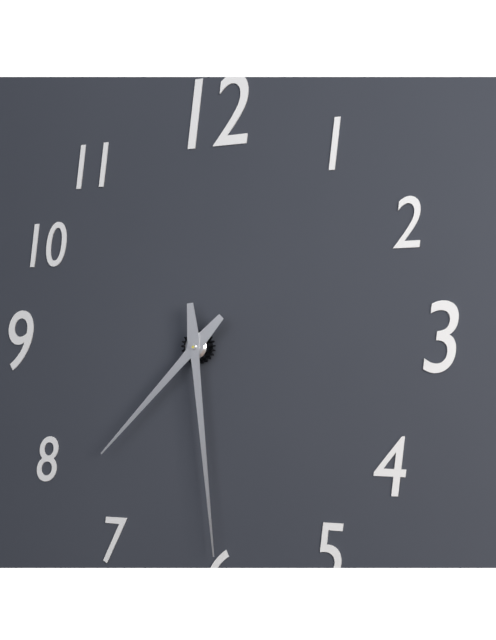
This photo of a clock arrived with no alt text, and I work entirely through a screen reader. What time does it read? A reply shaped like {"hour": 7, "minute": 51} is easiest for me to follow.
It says {"hour": 7, "minute": 29}
